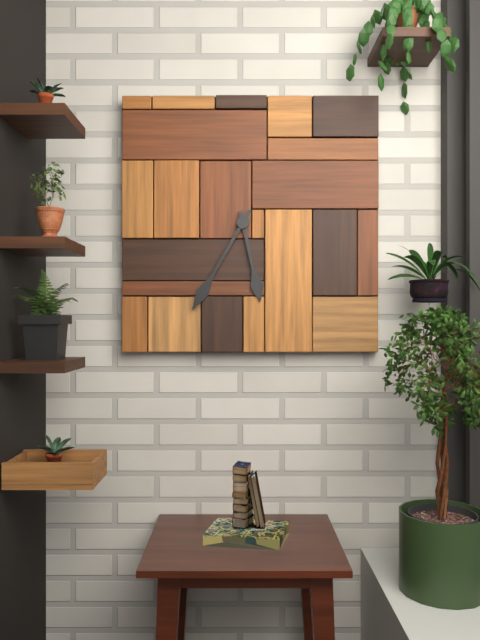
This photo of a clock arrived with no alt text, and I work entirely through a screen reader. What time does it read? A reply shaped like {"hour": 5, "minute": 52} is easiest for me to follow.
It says {"hour": 5, "minute": 35}
